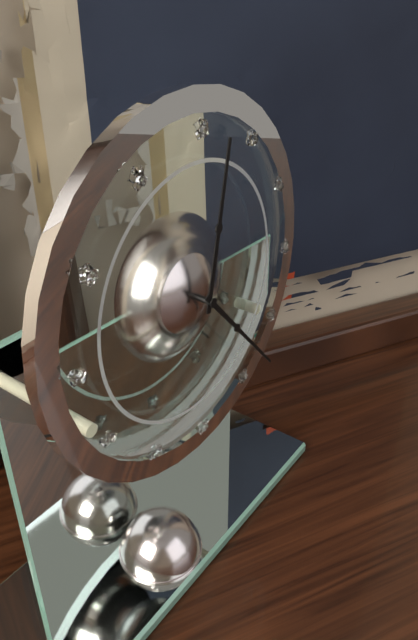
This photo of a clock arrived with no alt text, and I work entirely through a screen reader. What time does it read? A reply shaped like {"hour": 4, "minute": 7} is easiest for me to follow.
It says {"hour": 12, "minute": 23}
